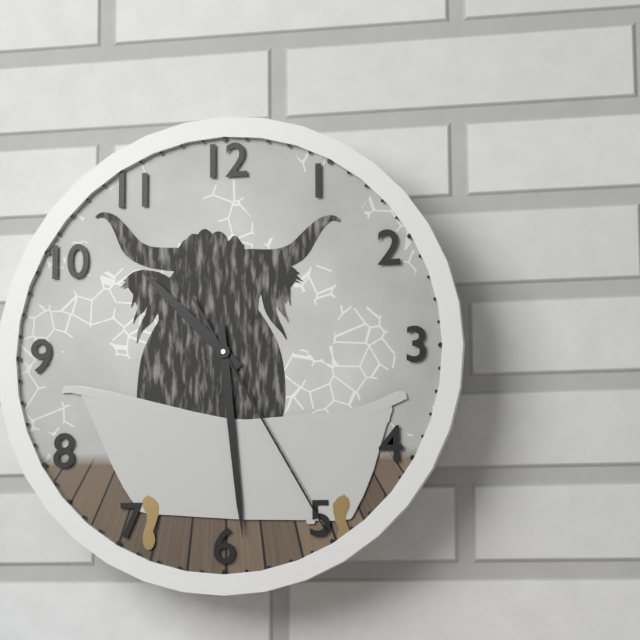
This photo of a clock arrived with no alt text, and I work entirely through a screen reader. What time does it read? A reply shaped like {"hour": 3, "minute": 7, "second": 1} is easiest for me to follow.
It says {"hour": 10, "minute": 29, "second": 25}
